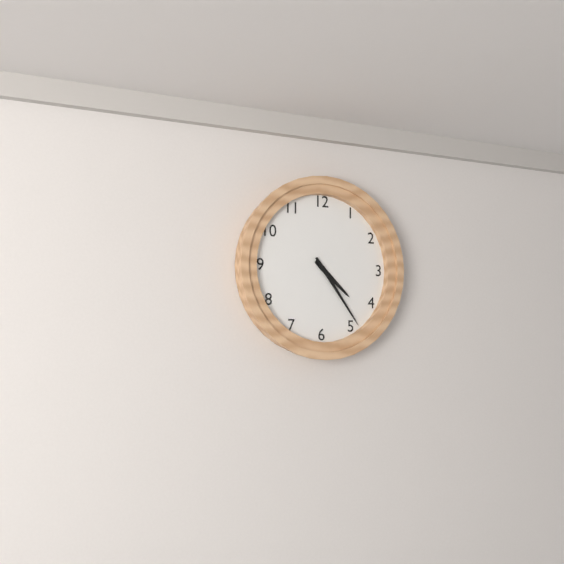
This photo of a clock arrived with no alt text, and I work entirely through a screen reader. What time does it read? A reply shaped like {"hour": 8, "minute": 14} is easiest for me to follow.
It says {"hour": 4, "minute": 24}
